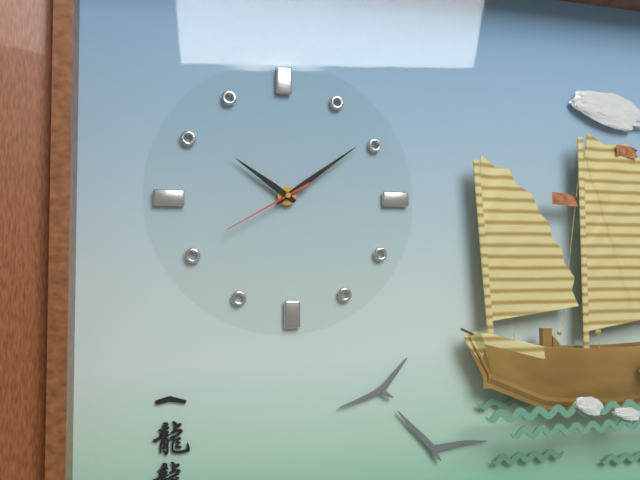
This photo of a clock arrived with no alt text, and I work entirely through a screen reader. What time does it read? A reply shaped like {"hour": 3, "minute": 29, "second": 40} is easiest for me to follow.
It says {"hour": 10, "minute": 9, "second": 40}
